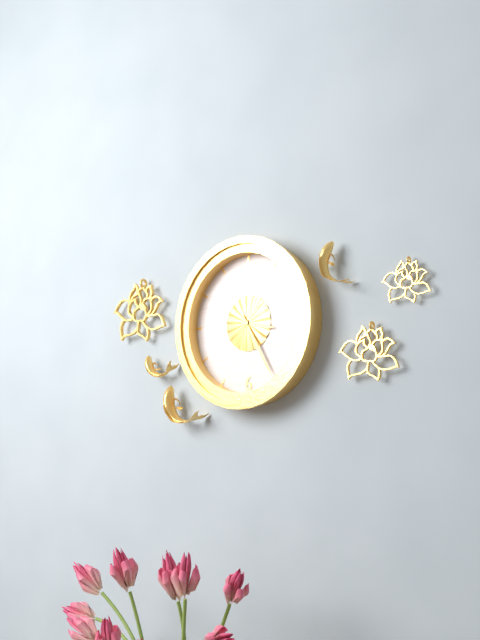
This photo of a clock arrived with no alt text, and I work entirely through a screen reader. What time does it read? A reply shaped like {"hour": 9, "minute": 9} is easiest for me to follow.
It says {"hour": 3, "minute": 25}
